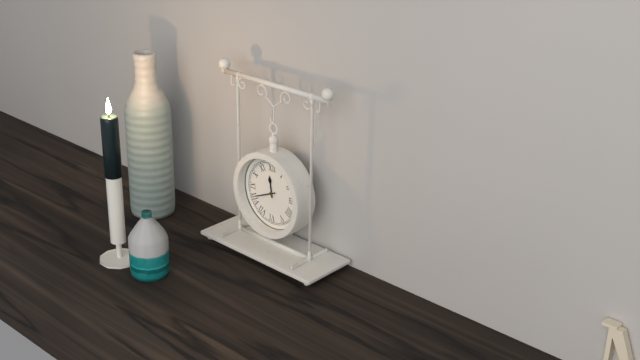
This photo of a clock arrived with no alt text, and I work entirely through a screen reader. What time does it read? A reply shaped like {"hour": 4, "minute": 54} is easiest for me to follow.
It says {"hour": 11, "minute": 41}
